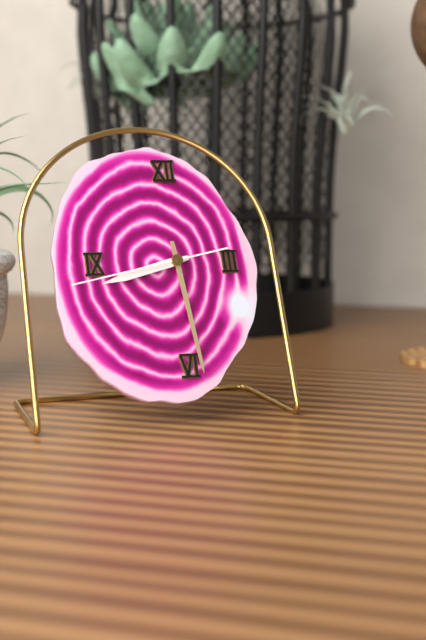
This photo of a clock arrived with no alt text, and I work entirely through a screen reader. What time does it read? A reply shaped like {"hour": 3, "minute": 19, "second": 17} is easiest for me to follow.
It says {"hour": 8, "minute": 29, "second": 43}
